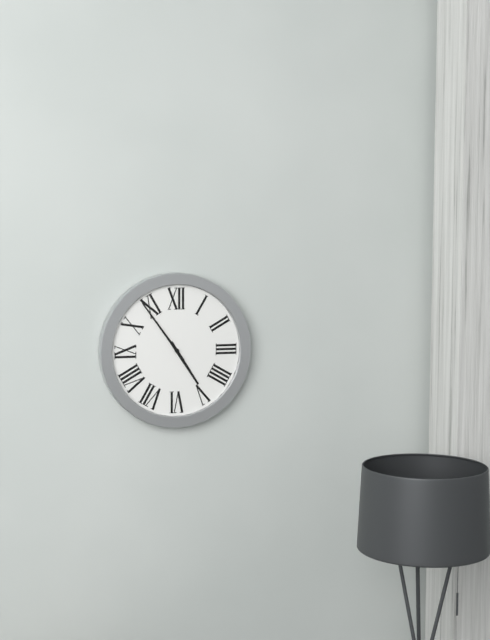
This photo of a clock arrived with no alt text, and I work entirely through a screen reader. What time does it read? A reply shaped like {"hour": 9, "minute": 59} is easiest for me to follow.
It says {"hour": 4, "minute": 54}
